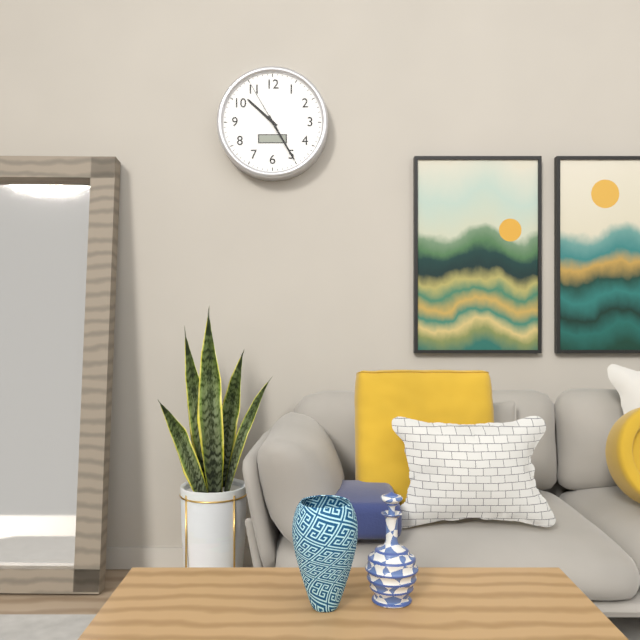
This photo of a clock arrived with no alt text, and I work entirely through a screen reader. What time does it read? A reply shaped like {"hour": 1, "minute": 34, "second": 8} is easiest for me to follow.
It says {"hour": 10, "minute": 25, "second": 55}
